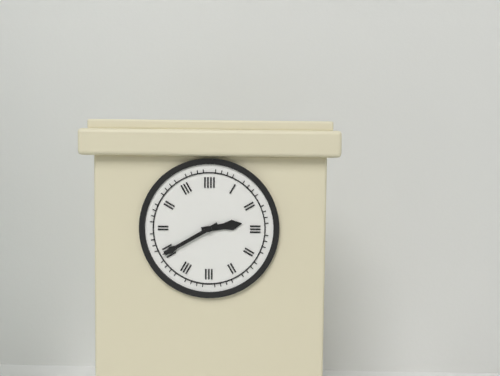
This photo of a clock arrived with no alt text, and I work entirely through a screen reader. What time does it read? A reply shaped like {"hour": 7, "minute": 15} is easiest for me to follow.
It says {"hour": 2, "minute": 40}
